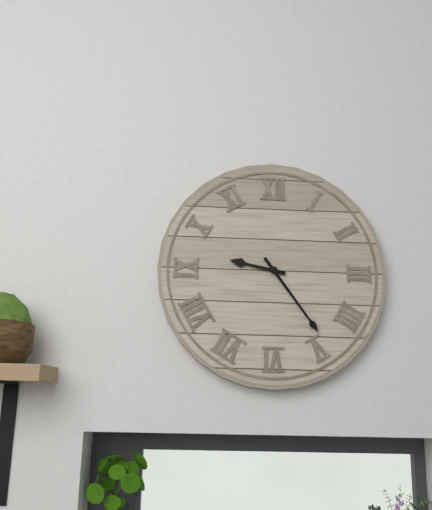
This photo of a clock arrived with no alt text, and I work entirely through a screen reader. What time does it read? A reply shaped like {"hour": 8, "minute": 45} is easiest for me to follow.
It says {"hour": 9, "minute": 24}
